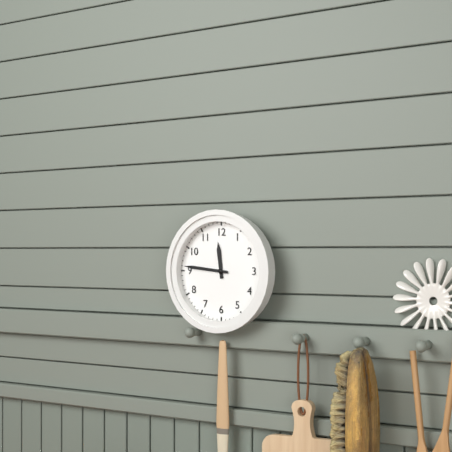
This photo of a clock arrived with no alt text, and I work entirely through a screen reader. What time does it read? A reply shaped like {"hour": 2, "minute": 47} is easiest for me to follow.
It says {"hour": 11, "minute": 46}
